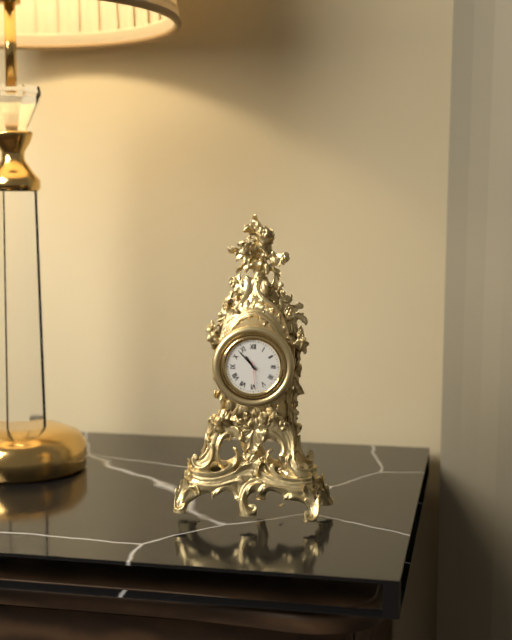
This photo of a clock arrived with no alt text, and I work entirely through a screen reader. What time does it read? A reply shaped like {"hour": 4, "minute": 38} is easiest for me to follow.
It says {"hour": 10, "minute": 53}
